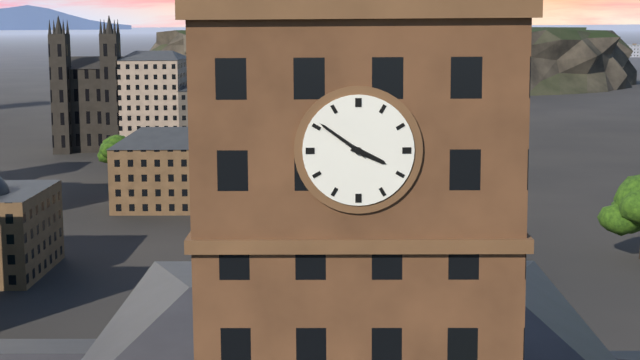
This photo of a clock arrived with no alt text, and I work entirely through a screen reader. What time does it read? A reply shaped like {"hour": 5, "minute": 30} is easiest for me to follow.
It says {"hour": 3, "minute": 51}
